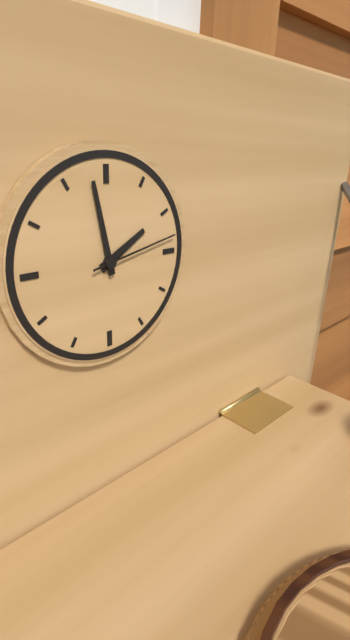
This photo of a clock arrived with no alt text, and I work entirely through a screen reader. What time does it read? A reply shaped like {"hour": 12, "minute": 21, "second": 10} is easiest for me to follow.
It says {"hour": 1, "minute": 58, "second": 13}
